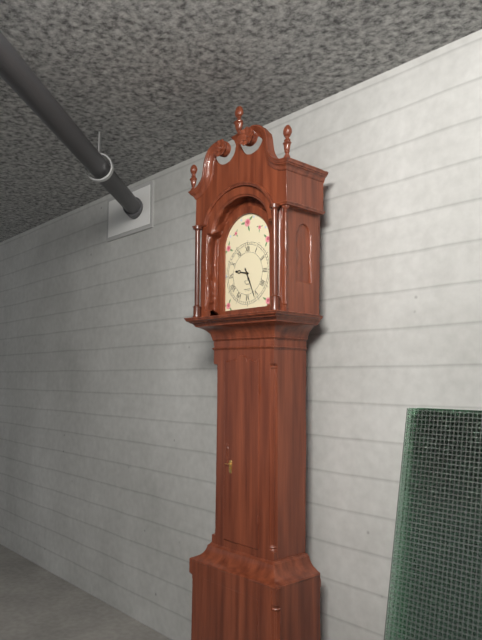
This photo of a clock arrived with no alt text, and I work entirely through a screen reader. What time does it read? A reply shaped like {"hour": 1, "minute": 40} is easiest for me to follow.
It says {"hour": 9, "minute": 26}
